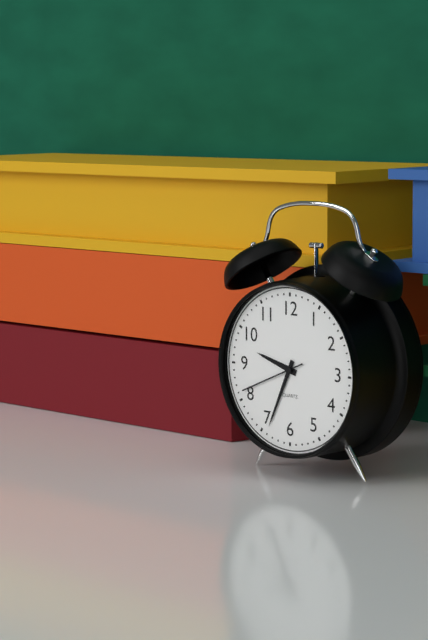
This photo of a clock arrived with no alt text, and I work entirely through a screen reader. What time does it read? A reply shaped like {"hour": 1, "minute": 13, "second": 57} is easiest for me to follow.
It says {"hour": 9, "minute": 34, "second": 41}
